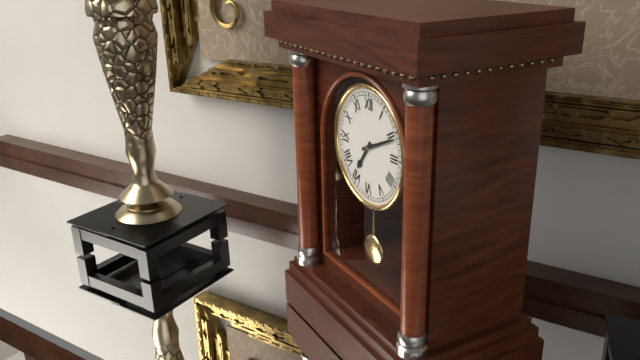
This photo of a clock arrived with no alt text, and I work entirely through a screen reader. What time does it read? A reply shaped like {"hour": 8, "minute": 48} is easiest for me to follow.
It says {"hour": 7, "minute": 11}
